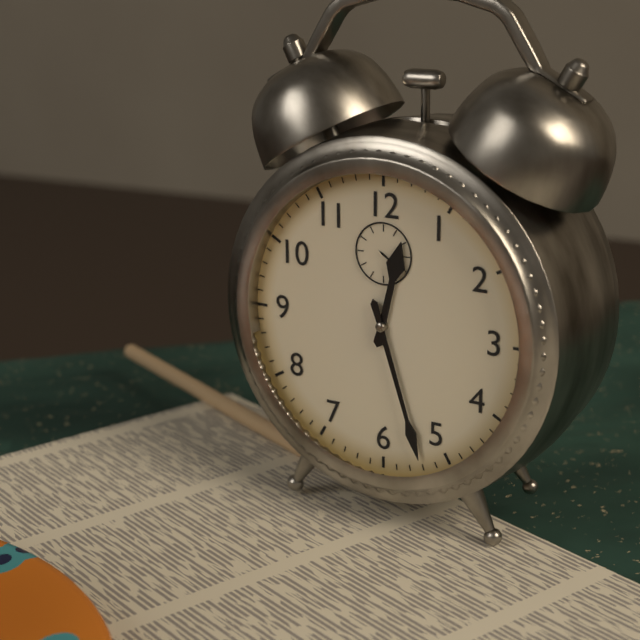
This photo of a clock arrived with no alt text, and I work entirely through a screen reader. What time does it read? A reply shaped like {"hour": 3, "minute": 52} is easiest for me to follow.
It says {"hour": 12, "minute": 27}
